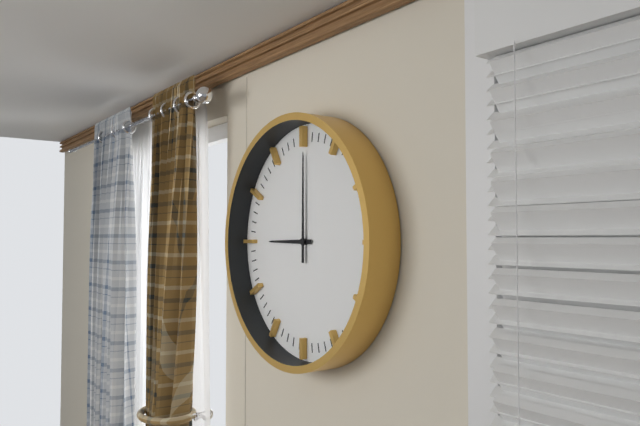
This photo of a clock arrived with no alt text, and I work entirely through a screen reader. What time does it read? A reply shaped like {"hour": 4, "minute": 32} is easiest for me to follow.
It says {"hour": 9, "minute": 0}
